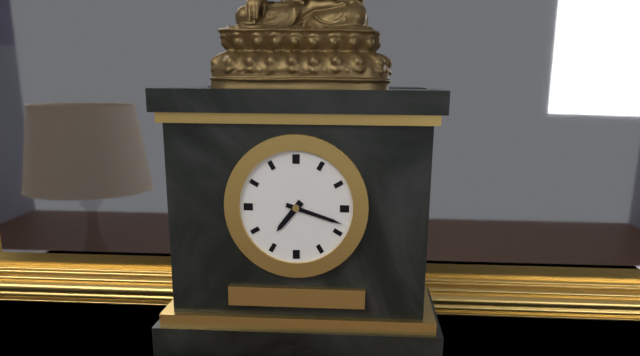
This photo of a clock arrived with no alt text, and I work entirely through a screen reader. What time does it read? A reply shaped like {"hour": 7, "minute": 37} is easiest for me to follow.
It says {"hour": 7, "minute": 18}
